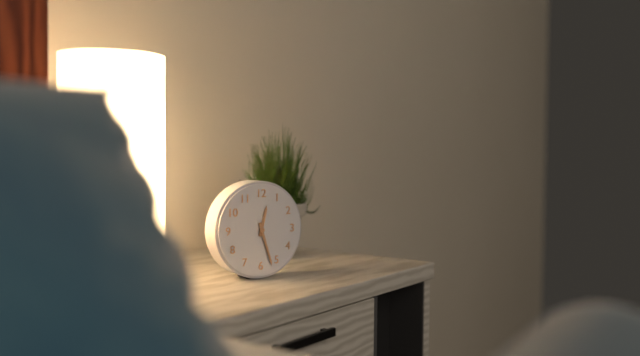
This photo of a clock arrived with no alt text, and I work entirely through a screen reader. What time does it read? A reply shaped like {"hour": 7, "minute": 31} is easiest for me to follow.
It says {"hour": 12, "minute": 27}
